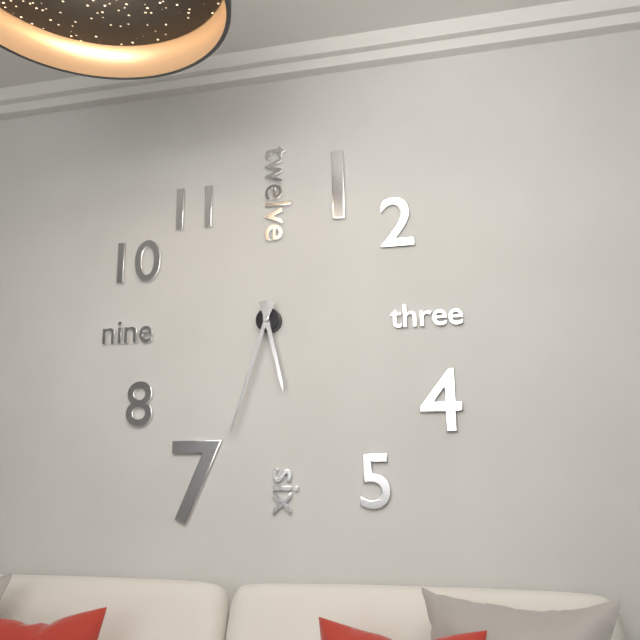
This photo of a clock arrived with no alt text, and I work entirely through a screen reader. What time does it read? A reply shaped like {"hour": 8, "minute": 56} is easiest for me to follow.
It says {"hour": 5, "minute": 33}
